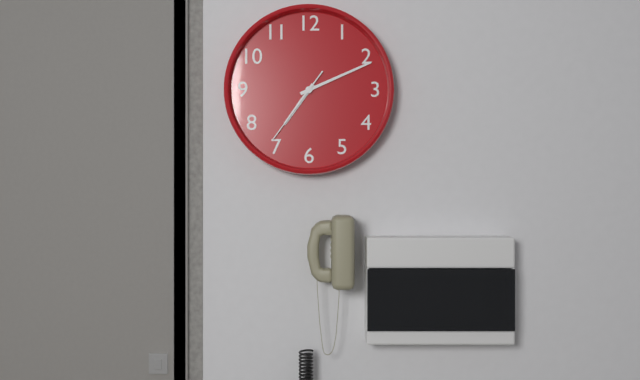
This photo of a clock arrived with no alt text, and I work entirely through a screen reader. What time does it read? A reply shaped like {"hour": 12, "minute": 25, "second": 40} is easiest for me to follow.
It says {"hour": 7, "minute": 11, "second": 36}
